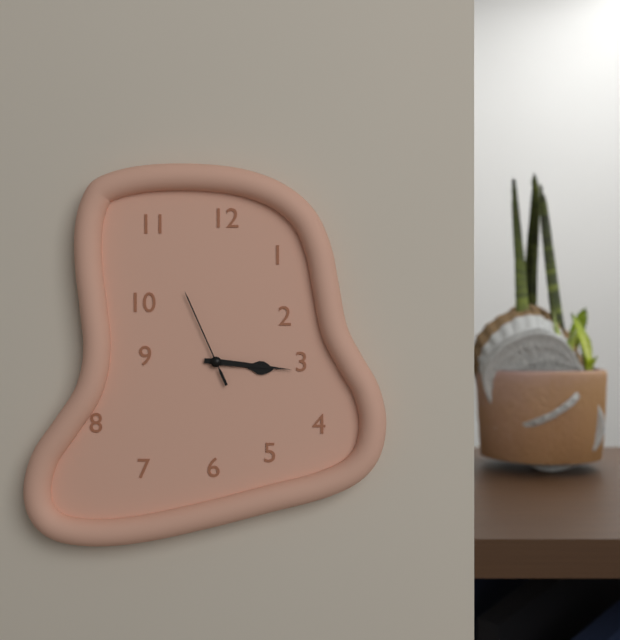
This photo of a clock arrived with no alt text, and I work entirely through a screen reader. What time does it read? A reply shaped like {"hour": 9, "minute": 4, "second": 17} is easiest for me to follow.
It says {"hour": 3, "minute": 16, "second": 56}
